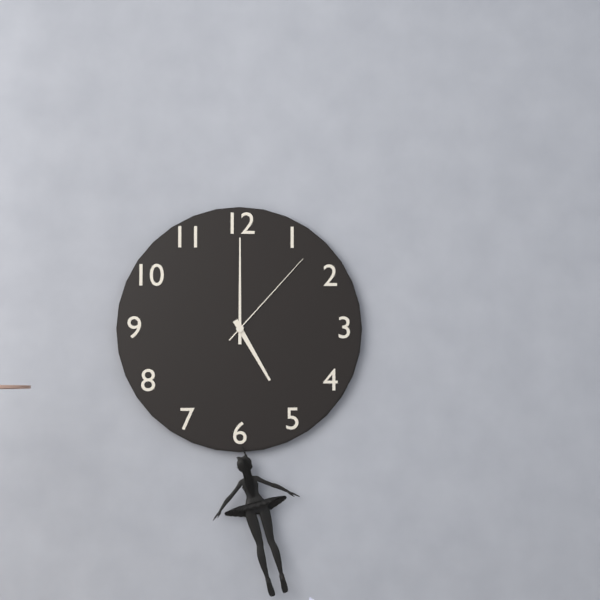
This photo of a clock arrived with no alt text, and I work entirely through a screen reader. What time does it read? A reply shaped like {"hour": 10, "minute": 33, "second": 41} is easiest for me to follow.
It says {"hour": 5, "minute": 0, "second": 7}
